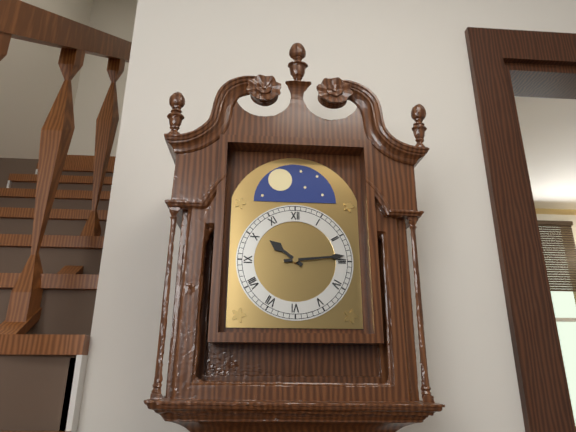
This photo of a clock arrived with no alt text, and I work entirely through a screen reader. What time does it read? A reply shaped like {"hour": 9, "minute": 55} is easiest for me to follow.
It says {"hour": 10, "minute": 14}
